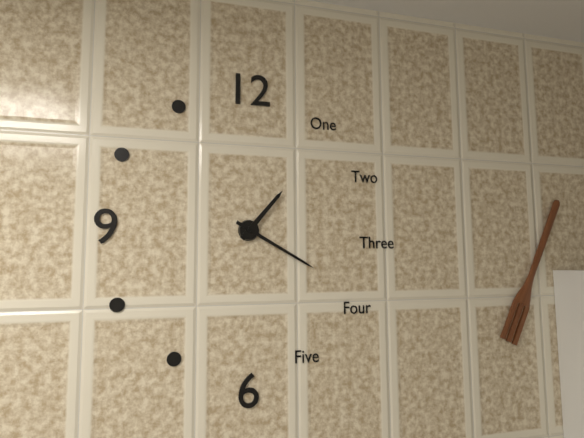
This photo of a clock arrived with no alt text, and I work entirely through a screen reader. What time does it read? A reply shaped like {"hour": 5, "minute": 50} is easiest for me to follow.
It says {"hour": 1, "minute": 20}
